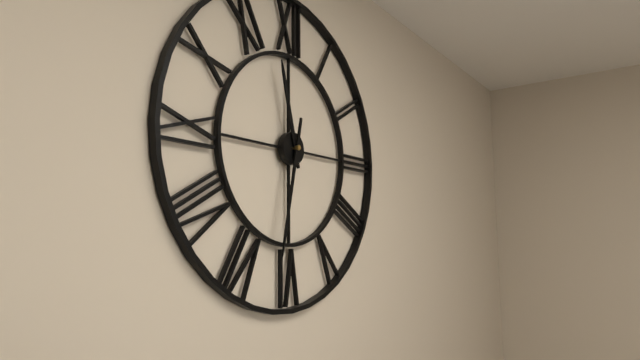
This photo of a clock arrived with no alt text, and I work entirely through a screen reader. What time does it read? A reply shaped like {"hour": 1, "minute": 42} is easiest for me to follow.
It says {"hour": 11, "minute": 32}
